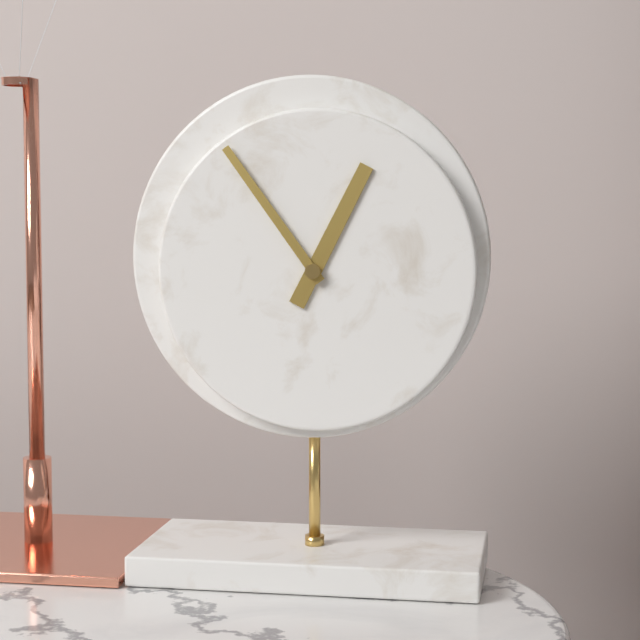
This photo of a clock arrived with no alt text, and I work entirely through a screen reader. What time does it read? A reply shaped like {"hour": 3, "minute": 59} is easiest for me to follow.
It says {"hour": 12, "minute": 54}
